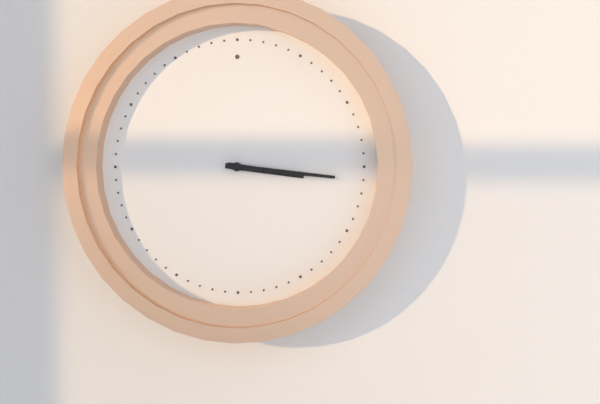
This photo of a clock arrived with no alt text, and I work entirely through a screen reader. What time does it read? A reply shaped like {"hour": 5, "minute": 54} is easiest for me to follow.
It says {"hour": 3, "minute": 16}
